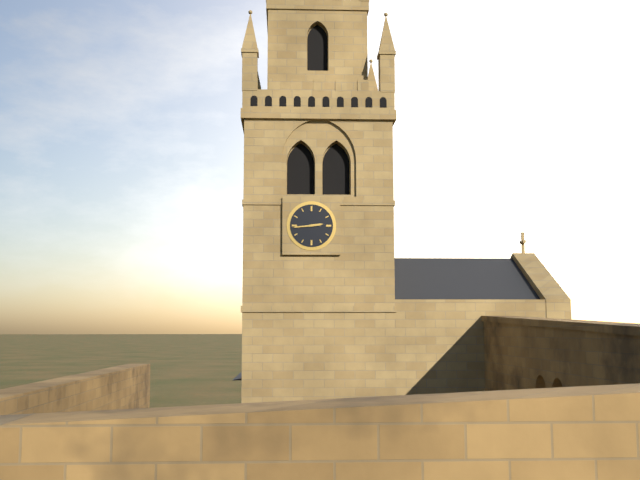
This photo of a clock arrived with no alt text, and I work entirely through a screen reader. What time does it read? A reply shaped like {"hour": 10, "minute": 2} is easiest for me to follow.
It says {"hour": 2, "minute": 44}
